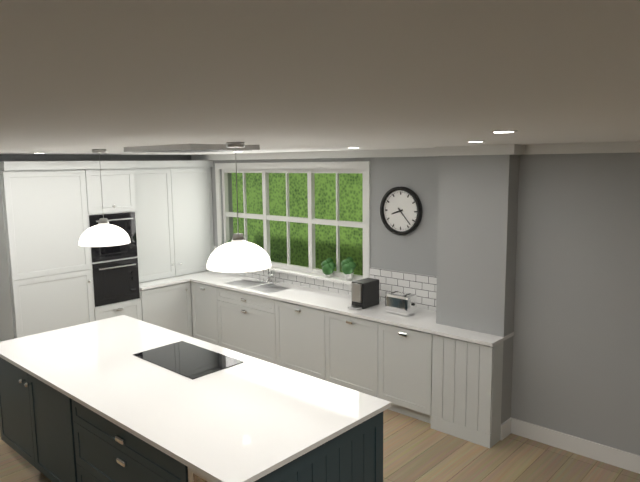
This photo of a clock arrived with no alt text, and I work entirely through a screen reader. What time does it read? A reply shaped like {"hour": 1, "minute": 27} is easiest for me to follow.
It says {"hour": 8, "minute": 23}
